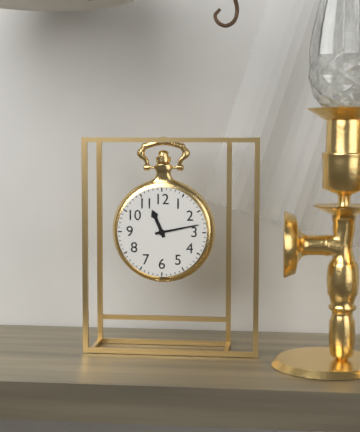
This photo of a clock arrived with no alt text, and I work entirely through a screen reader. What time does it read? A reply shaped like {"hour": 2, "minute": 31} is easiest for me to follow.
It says {"hour": 11, "minute": 13}
